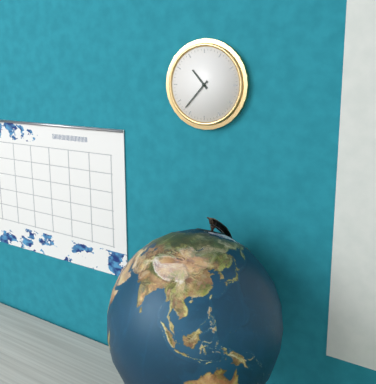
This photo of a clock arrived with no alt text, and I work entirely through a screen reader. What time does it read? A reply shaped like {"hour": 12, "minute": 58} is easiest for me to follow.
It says {"hour": 10, "minute": 37}
